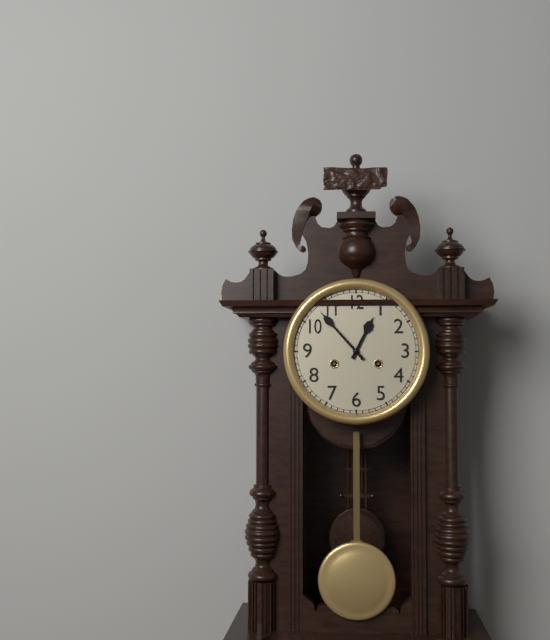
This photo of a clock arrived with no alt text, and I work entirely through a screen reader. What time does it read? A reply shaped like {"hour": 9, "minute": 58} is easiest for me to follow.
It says {"hour": 12, "minute": 53}
